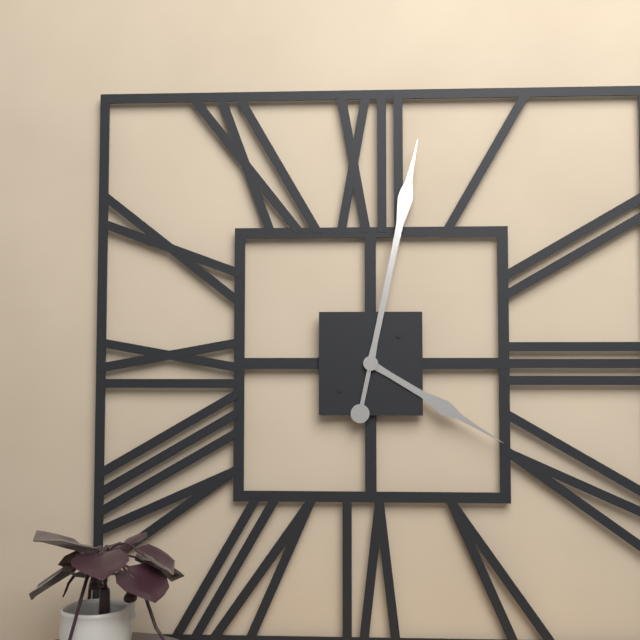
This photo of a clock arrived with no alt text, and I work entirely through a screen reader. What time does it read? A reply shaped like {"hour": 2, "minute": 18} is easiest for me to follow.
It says {"hour": 4, "minute": 2}
